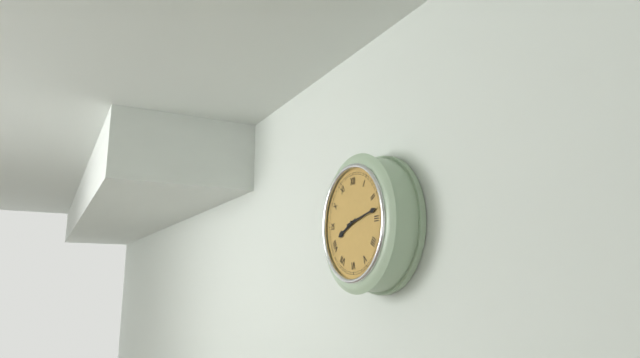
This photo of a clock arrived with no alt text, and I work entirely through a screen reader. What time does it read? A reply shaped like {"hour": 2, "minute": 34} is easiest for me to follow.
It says {"hour": 8, "minute": 13}
